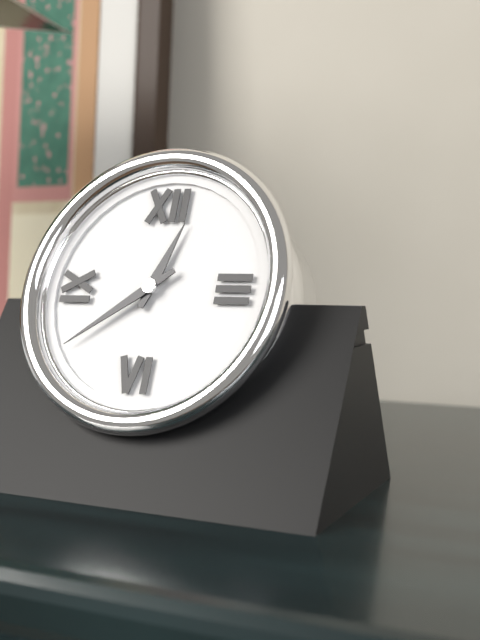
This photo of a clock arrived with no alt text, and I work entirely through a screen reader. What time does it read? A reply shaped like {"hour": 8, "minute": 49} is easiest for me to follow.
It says {"hour": 12, "minute": 39}
